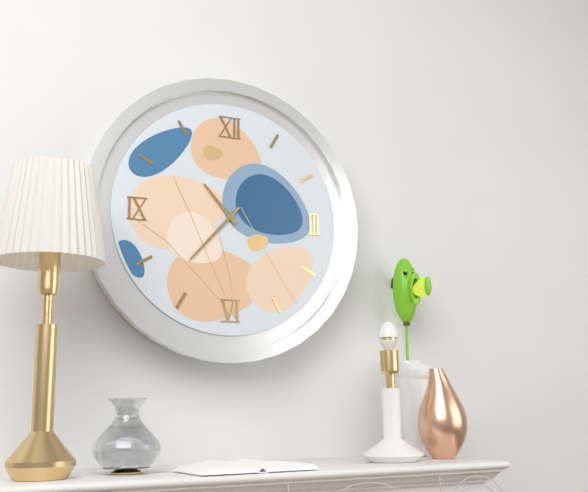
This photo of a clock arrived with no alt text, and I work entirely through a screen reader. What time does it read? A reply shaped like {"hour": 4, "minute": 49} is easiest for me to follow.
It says {"hour": 10, "minute": 37}
